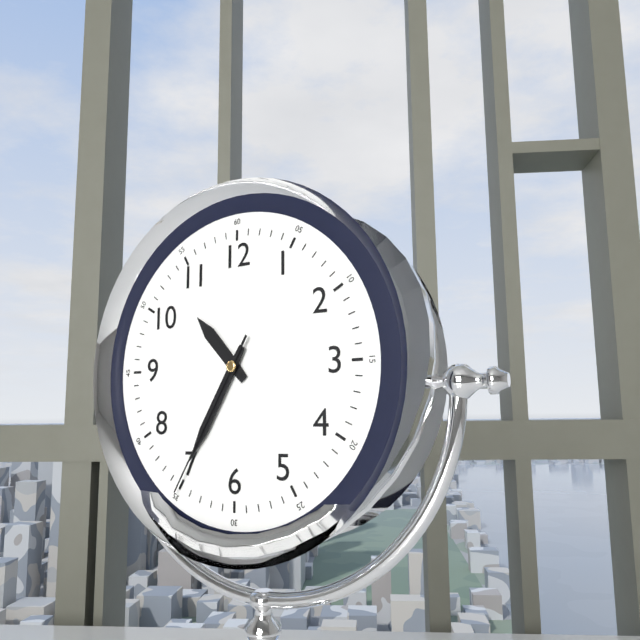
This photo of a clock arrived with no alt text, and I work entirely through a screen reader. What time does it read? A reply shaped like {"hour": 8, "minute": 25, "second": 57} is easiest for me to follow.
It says {"hour": 10, "minute": 35, "second": 35}
